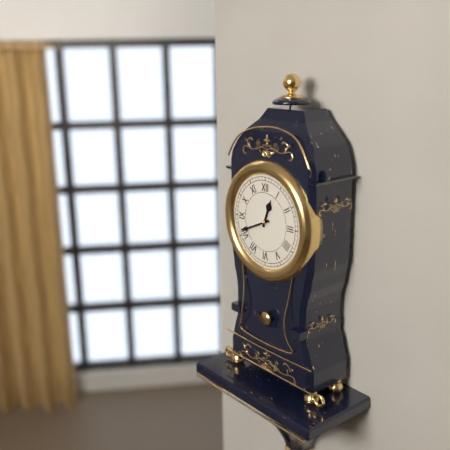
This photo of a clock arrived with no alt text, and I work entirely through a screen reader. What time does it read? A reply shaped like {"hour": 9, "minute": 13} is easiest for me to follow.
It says {"hour": 12, "minute": 41}
